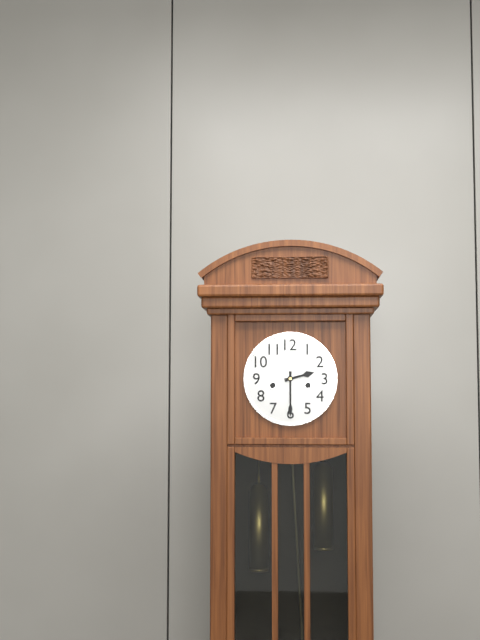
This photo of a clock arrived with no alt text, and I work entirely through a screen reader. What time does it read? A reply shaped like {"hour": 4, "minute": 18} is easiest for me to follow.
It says {"hour": 2, "minute": 30}
